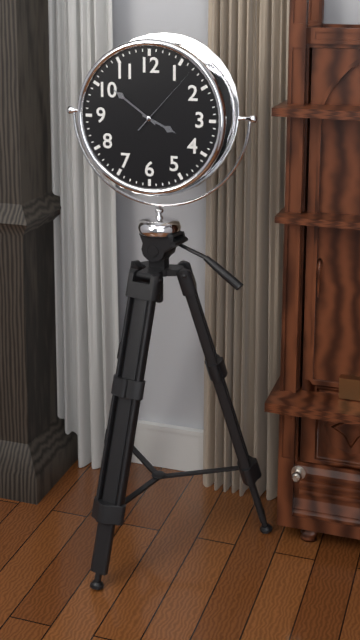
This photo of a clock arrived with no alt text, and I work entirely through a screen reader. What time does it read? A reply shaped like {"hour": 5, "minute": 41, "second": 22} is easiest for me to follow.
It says {"hour": 3, "minute": 51, "second": 7}
